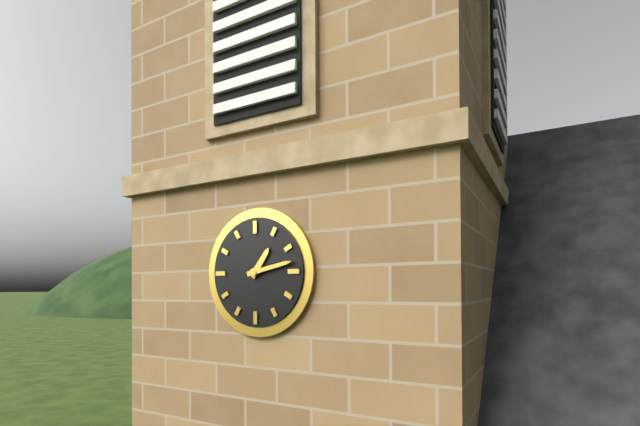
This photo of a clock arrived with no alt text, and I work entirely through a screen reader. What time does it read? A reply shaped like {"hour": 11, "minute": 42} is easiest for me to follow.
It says {"hour": 1, "minute": 13}
